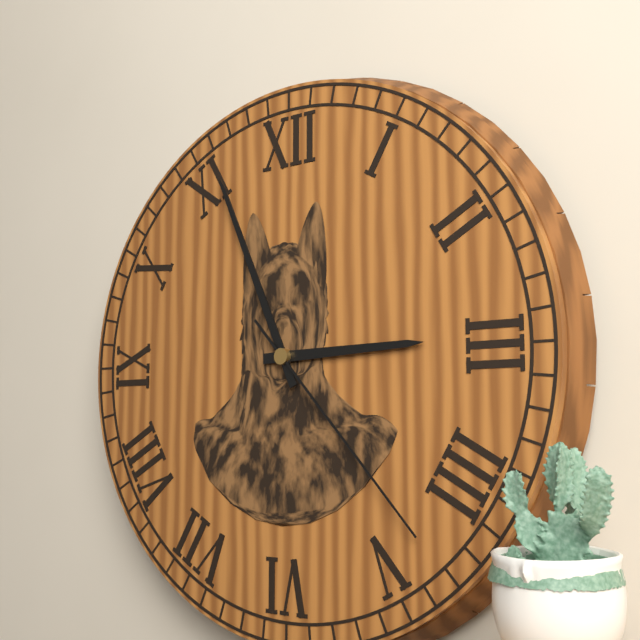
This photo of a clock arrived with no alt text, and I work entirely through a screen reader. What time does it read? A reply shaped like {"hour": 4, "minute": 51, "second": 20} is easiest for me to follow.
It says {"hour": 2, "minute": 56, "second": 23}
